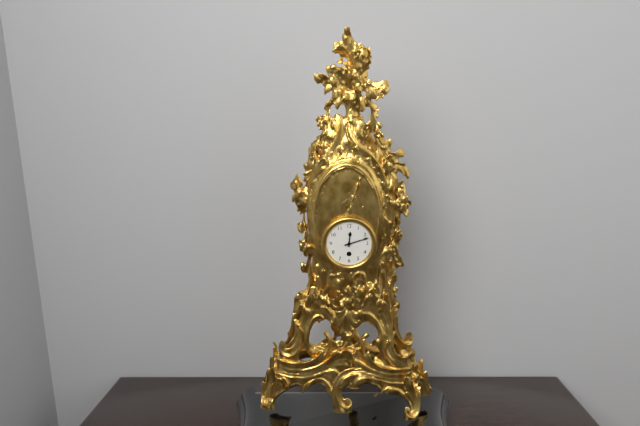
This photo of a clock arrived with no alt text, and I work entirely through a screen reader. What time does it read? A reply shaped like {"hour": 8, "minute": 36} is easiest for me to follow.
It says {"hour": 12, "minute": 12}
